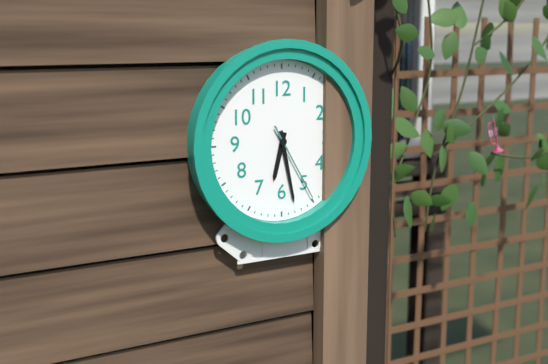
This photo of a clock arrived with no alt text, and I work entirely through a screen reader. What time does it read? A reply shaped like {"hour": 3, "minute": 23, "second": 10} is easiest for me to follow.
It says {"hour": 6, "minute": 28, "second": 25}
